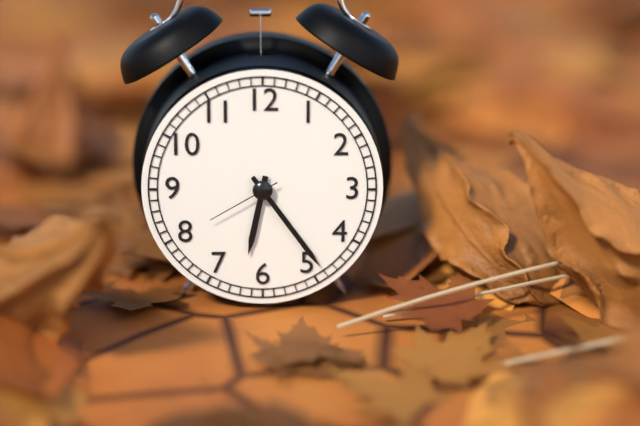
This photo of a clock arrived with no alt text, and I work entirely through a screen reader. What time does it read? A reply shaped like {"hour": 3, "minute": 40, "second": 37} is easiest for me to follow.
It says {"hour": 6, "minute": 24, "second": 40}
